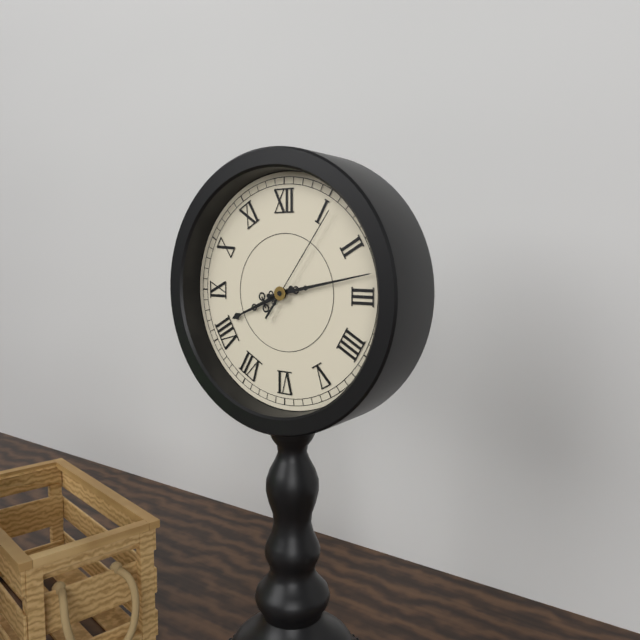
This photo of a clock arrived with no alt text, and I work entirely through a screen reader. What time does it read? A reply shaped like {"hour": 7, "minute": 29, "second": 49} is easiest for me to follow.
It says {"hour": 8, "minute": 13, "second": 6}
